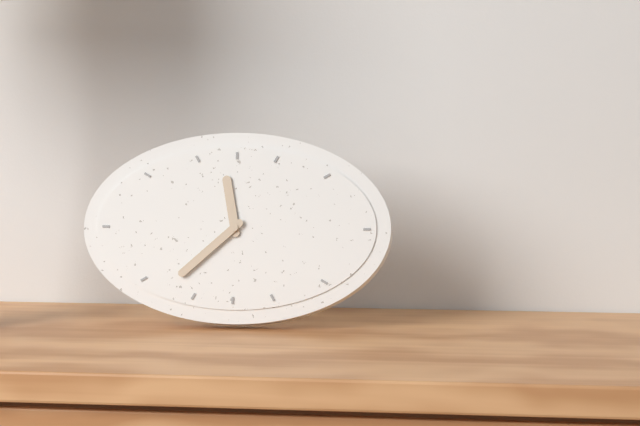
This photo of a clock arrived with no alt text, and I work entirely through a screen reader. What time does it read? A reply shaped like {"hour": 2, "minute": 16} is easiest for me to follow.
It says {"hour": 11, "minute": 38}
